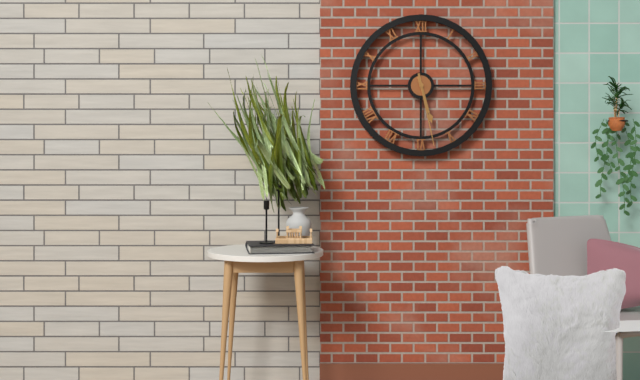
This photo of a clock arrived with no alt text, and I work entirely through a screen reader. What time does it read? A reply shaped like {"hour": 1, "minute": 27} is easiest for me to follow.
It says {"hour": 5, "minute": 28}
